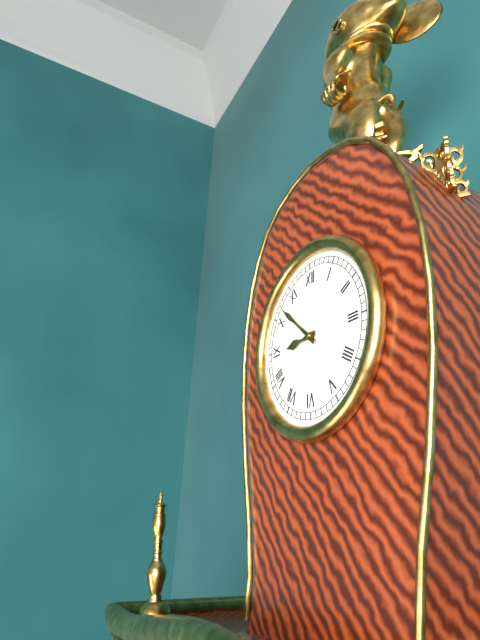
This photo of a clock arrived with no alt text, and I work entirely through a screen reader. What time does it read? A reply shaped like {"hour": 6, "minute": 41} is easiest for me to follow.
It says {"hour": 8, "minute": 52}
